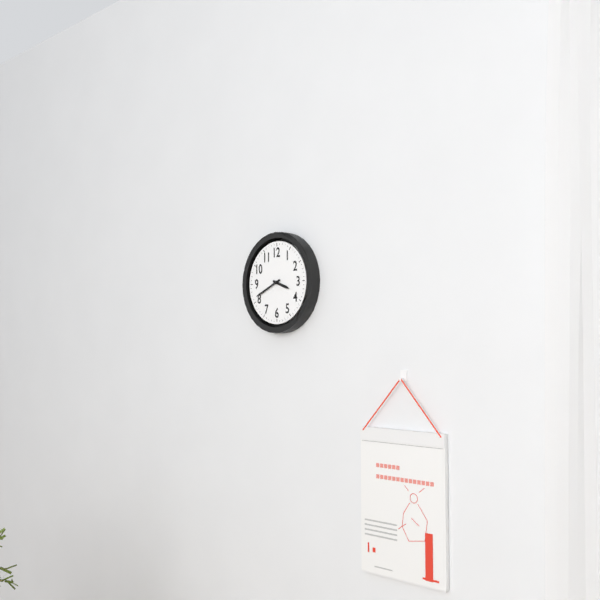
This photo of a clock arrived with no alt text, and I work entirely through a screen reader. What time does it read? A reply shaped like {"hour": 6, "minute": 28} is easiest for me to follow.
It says {"hour": 3, "minute": 41}
